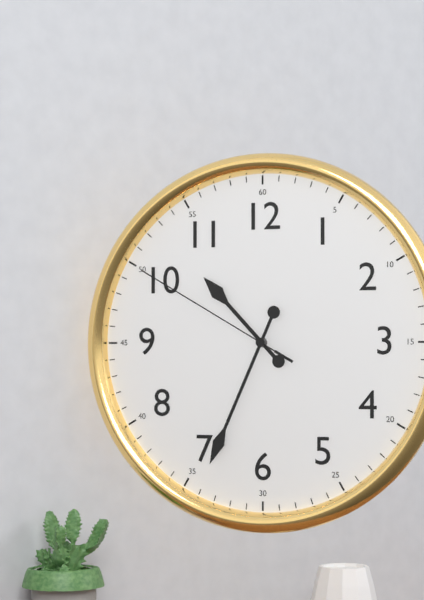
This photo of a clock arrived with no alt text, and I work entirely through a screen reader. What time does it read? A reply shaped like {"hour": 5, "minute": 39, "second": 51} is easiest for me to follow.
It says {"hour": 10, "minute": 34, "second": 50}
